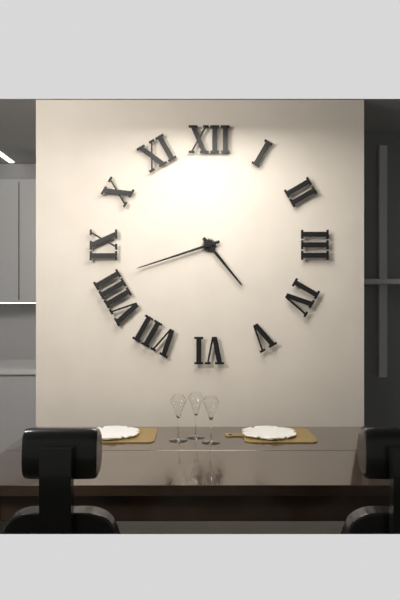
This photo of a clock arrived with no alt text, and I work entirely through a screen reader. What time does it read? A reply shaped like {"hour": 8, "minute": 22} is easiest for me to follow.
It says {"hour": 4, "minute": 42}
